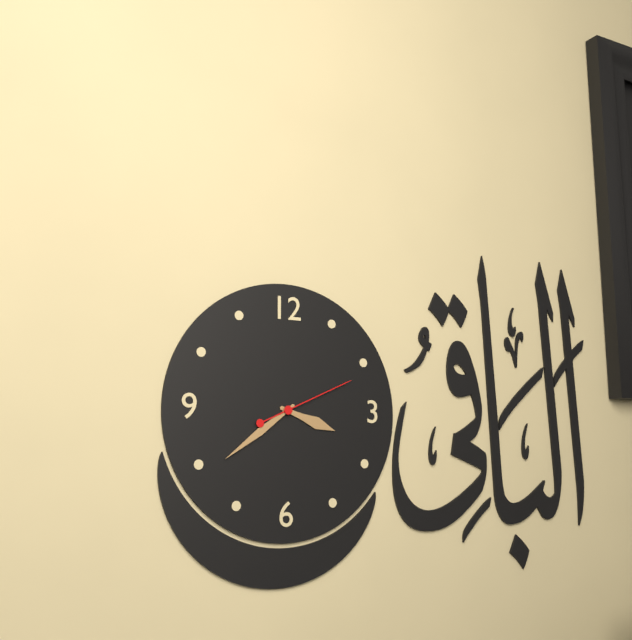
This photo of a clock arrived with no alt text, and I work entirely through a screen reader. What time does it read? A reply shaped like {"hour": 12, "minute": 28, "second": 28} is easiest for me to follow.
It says {"hour": 3, "minute": 39, "second": 11}
